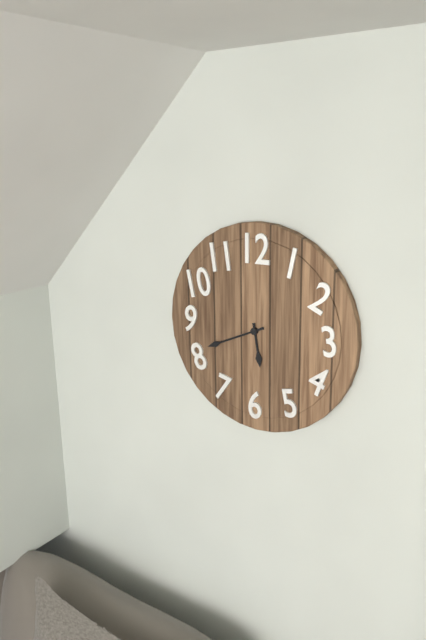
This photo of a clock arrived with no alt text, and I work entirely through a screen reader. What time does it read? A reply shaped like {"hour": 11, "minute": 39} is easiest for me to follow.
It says {"hour": 5, "minute": 41}
